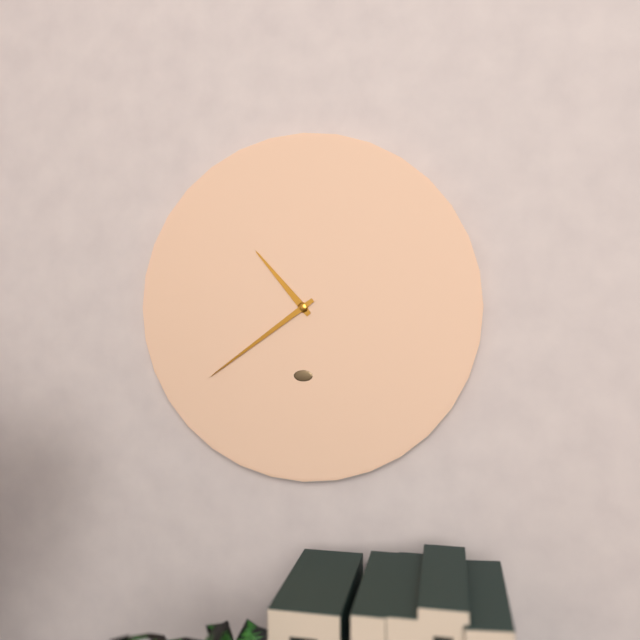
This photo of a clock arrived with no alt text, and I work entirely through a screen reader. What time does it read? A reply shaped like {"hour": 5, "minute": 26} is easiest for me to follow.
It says {"hour": 10, "minute": 39}
